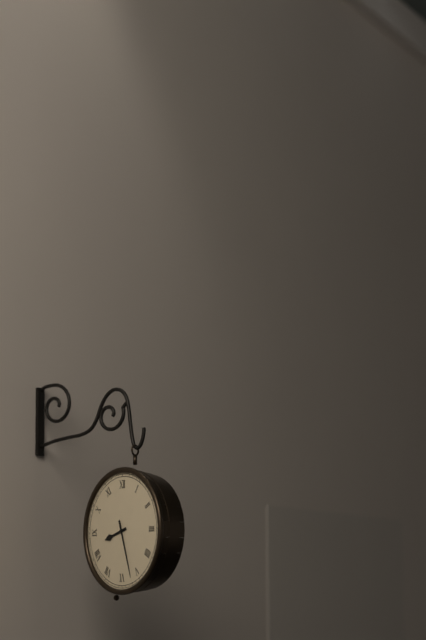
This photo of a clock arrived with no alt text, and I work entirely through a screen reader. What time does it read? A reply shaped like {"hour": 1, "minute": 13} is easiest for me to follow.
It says {"hour": 8, "minute": 27}
